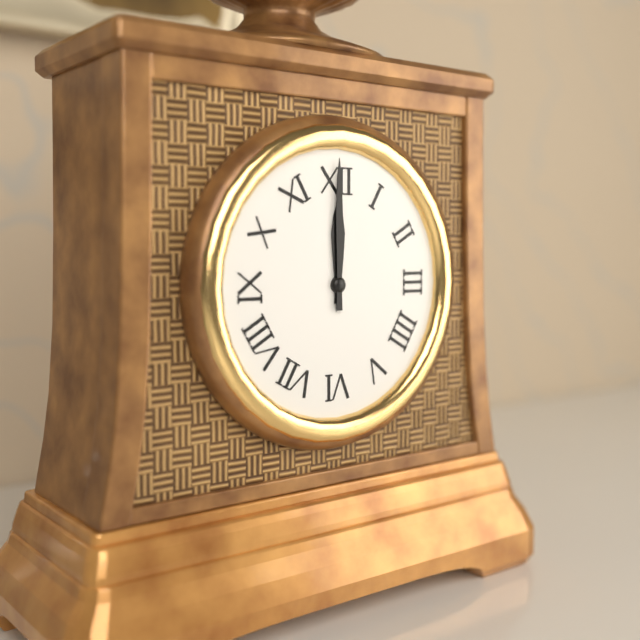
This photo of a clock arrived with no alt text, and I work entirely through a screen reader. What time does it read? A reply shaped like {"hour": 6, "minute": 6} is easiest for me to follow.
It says {"hour": 12, "minute": 0}
